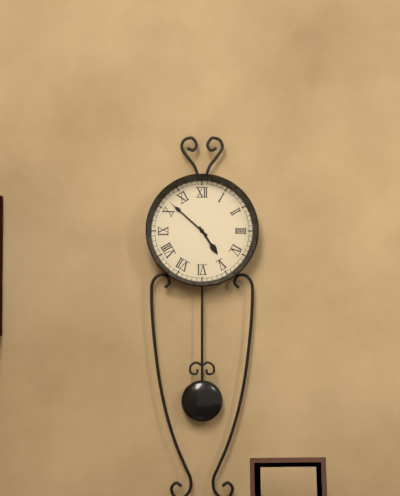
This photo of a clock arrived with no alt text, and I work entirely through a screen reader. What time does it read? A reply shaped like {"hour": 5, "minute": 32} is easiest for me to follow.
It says {"hour": 4, "minute": 52}
